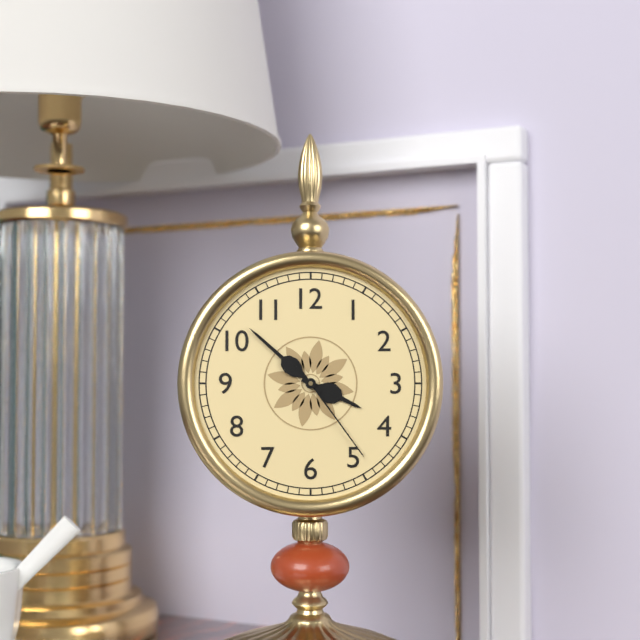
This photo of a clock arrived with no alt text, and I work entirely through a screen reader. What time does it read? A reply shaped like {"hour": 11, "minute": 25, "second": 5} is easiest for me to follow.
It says {"hour": 3, "minute": 52, "second": 24}
